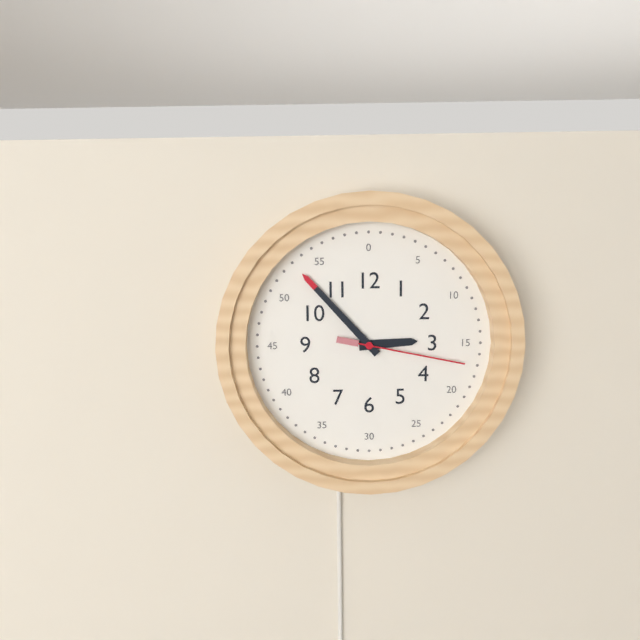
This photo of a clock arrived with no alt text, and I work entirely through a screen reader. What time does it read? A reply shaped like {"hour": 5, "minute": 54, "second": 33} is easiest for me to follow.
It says {"hour": 2, "minute": 53, "second": 17}
